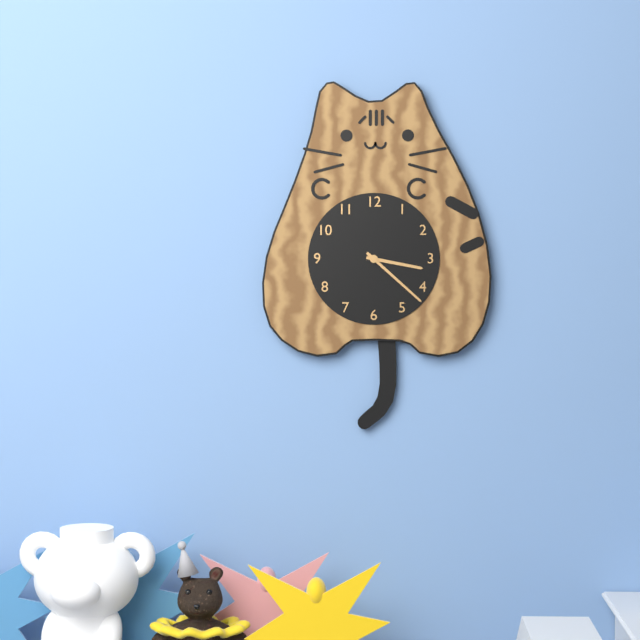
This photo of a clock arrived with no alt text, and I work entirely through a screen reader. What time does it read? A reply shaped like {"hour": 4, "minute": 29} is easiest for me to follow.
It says {"hour": 3, "minute": 22}
